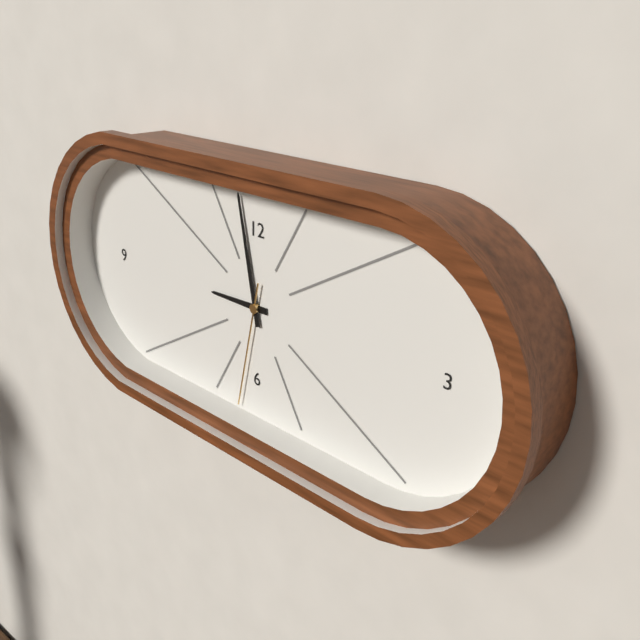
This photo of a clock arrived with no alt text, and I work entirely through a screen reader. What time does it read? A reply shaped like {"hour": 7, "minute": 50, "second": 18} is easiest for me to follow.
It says {"hour": 8, "minute": 58, "second": 32}
